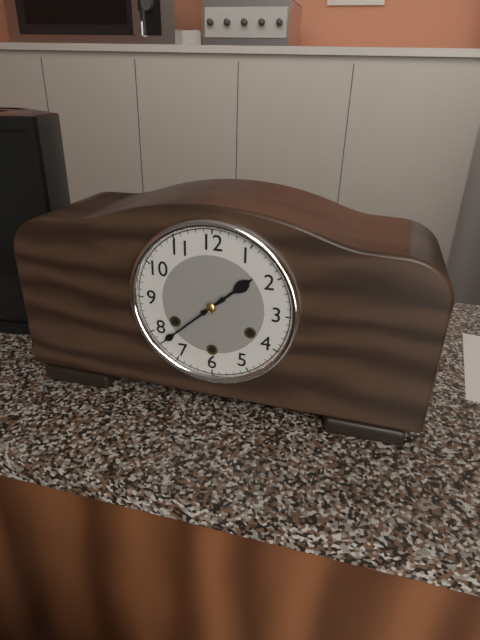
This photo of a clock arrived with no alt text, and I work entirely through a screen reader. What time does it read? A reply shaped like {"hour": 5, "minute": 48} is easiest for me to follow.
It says {"hour": 1, "minute": 38}
